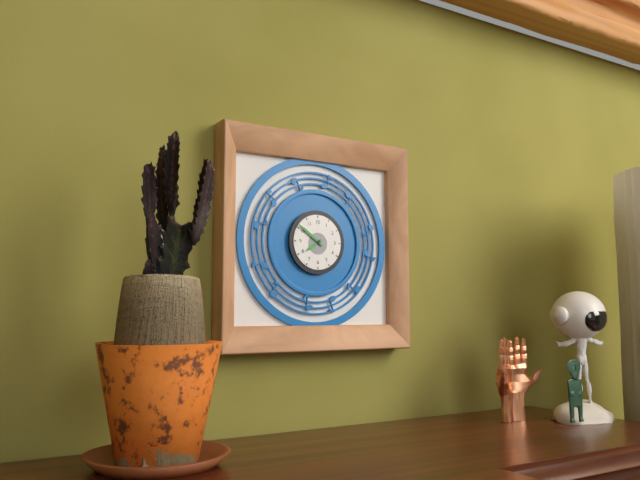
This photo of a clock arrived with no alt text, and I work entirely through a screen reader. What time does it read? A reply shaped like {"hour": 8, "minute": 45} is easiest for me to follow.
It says {"hour": 7, "minute": 51}
